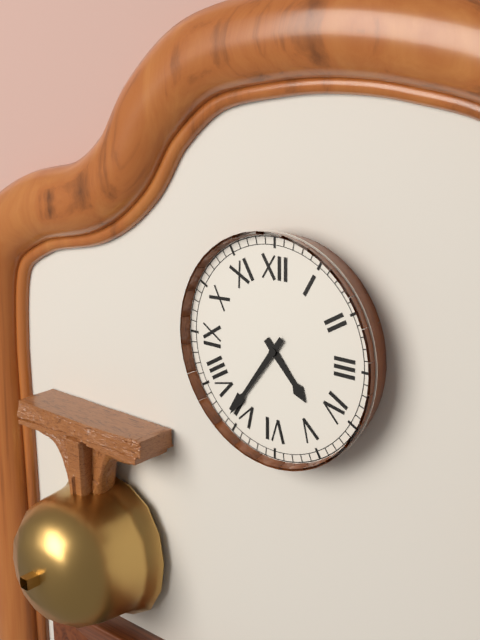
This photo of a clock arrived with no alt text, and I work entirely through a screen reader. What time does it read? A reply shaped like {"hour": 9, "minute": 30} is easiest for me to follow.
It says {"hour": 4, "minute": 36}
